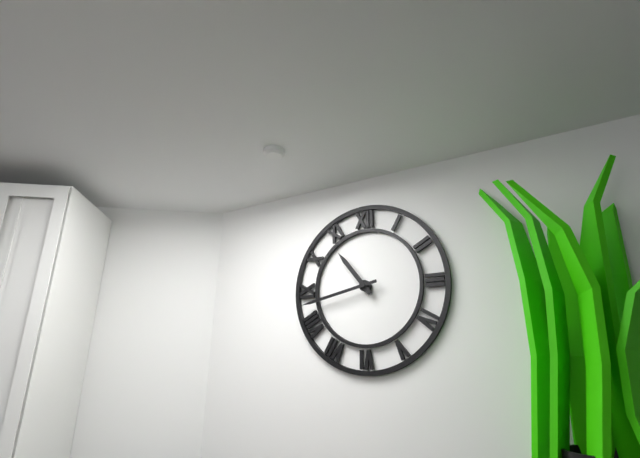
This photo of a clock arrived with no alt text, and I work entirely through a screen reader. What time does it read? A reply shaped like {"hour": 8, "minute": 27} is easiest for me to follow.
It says {"hour": 10, "minute": 43}
